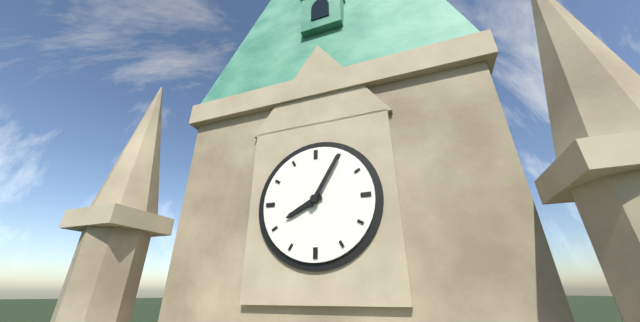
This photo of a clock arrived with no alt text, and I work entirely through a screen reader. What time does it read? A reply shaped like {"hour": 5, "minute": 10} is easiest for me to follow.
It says {"hour": 8, "minute": 5}
